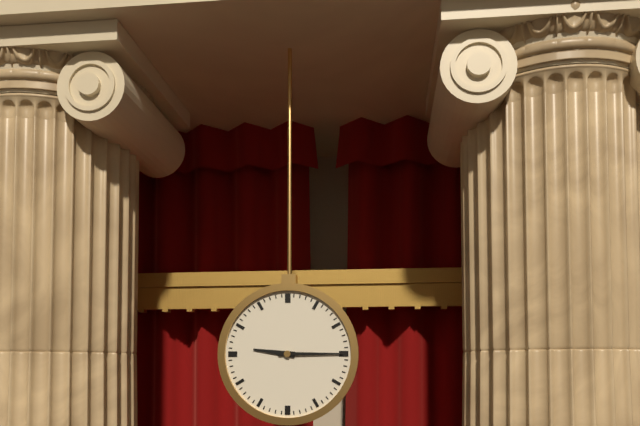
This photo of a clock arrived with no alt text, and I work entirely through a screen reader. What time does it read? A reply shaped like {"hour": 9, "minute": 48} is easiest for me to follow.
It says {"hour": 9, "minute": 15}
